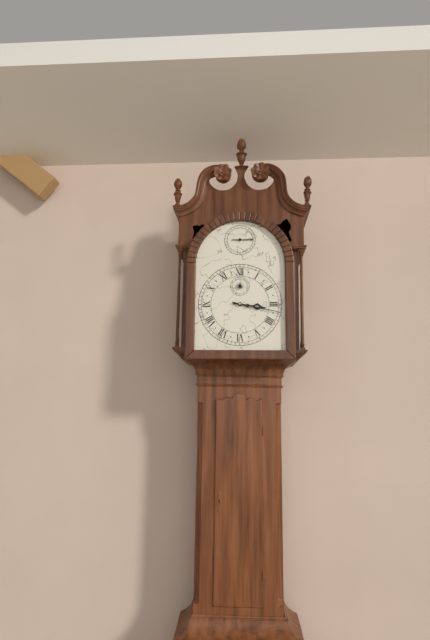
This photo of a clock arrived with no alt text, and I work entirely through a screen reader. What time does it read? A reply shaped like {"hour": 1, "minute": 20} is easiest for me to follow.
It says {"hour": 3, "minute": 17}
